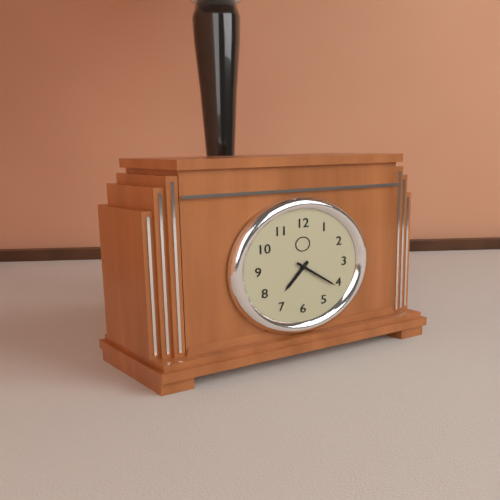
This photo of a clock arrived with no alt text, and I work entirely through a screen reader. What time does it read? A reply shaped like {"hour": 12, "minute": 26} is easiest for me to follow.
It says {"hour": 7, "minute": 21}
